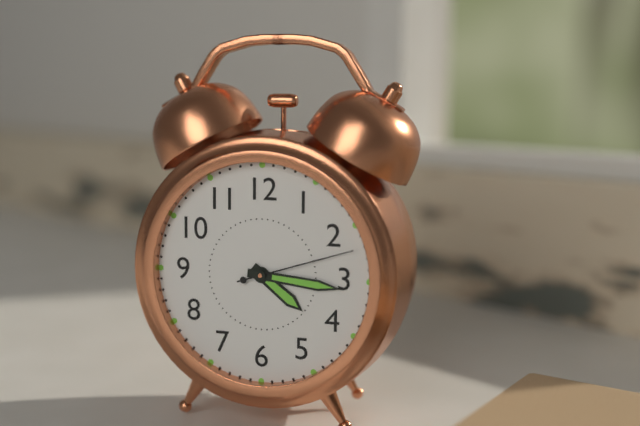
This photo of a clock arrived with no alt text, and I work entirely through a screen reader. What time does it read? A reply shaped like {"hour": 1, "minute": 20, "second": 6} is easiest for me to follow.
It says {"hour": 4, "minute": 16, "second": 12}
